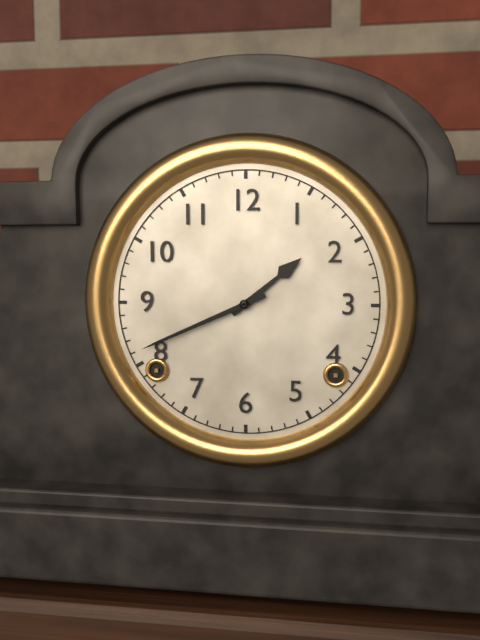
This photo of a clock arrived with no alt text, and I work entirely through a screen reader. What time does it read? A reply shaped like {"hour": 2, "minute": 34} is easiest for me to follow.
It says {"hour": 1, "minute": 41}
